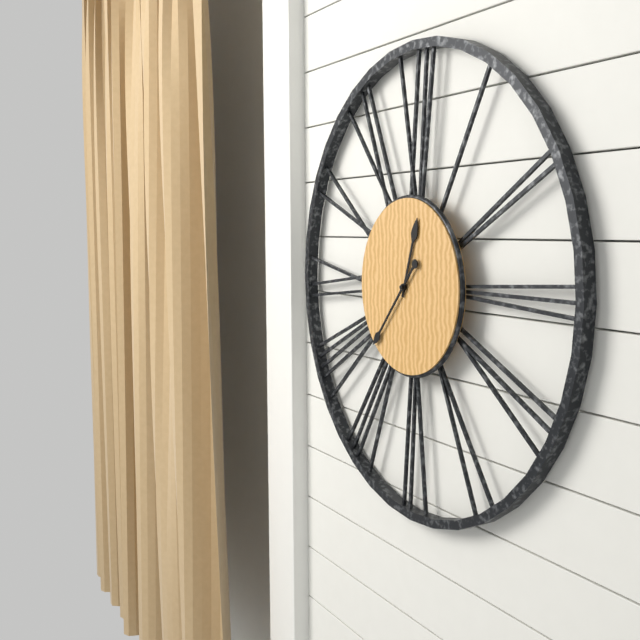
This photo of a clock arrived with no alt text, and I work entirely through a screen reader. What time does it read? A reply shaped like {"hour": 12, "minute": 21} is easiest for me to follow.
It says {"hour": 12, "minute": 37}
